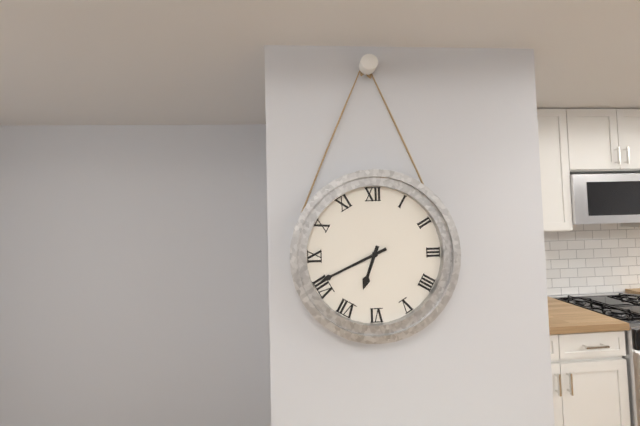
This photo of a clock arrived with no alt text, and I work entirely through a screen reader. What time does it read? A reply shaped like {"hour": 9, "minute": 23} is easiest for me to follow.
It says {"hour": 6, "minute": 41}
